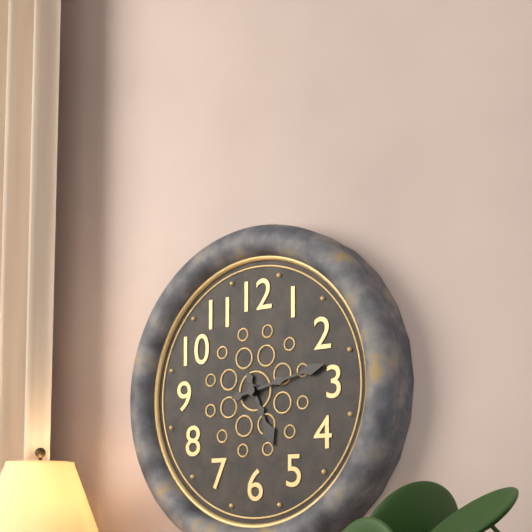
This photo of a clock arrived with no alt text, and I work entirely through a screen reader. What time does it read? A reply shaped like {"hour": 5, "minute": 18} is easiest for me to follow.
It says {"hour": 5, "minute": 13}
